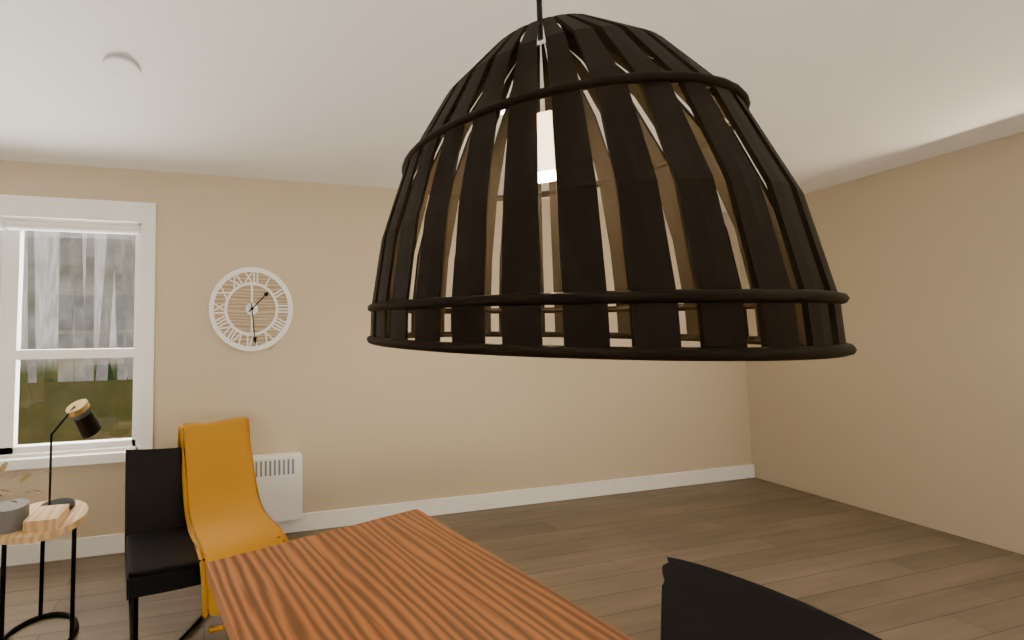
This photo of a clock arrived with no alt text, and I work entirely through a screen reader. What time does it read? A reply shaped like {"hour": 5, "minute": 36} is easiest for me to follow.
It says {"hour": 1, "minute": 29}
